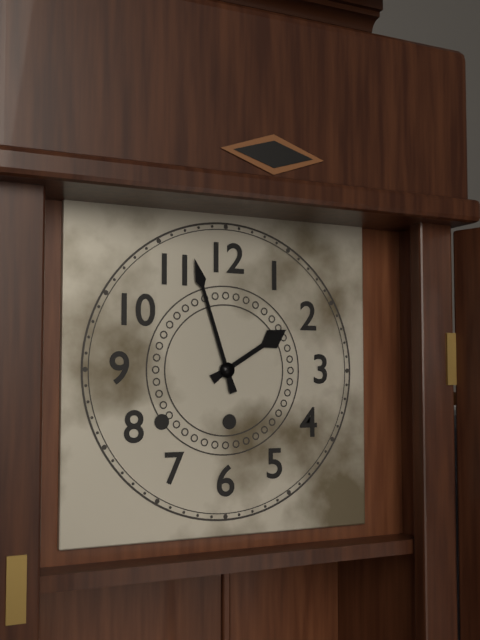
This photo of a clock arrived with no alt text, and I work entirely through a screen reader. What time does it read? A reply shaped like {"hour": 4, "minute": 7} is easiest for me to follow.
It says {"hour": 1, "minute": 57}
